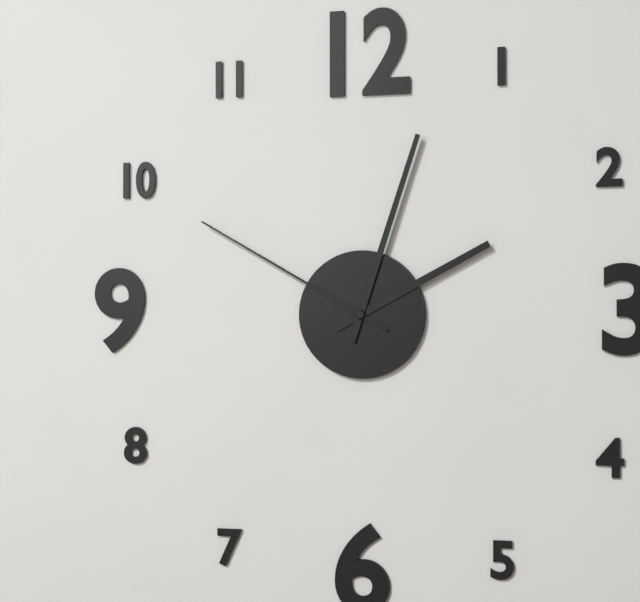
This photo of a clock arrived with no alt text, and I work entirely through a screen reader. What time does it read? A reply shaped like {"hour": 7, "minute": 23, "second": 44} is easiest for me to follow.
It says {"hour": 2, "minute": 3, "second": 50}
